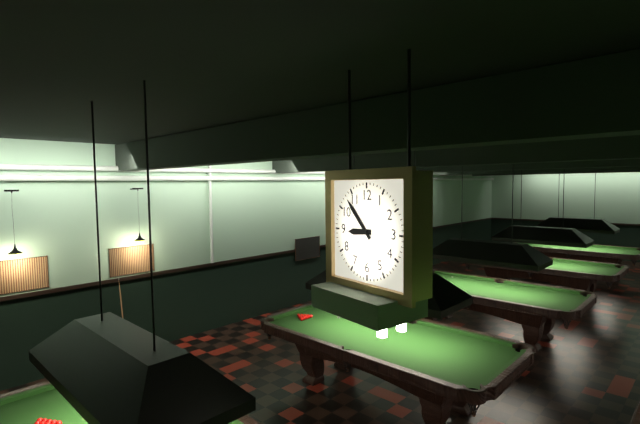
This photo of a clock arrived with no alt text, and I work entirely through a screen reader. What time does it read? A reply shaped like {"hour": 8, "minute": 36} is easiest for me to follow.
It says {"hour": 8, "minute": 53}
